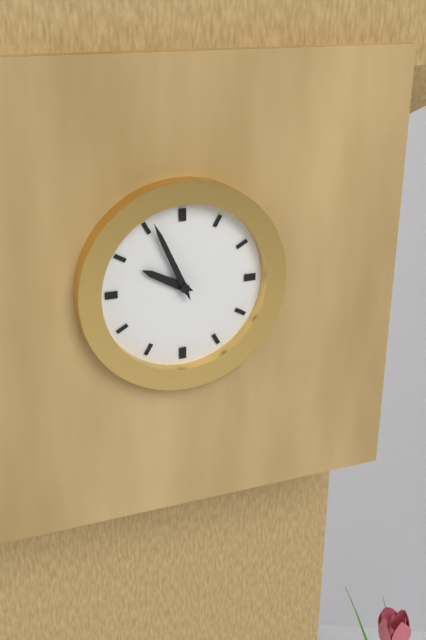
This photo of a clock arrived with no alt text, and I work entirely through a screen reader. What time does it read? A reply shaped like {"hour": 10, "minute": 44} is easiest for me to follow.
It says {"hour": 9, "minute": 56}
